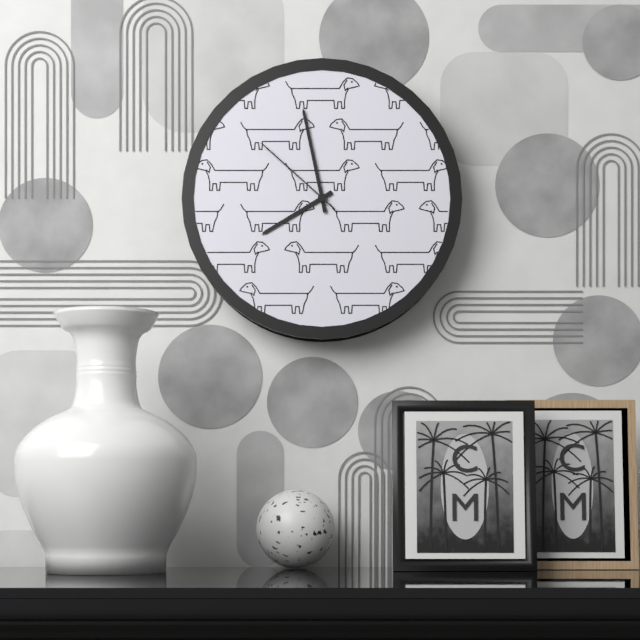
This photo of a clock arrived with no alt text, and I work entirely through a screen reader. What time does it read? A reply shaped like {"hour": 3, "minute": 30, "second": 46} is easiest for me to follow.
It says {"hour": 7, "minute": 58, "second": 52}
